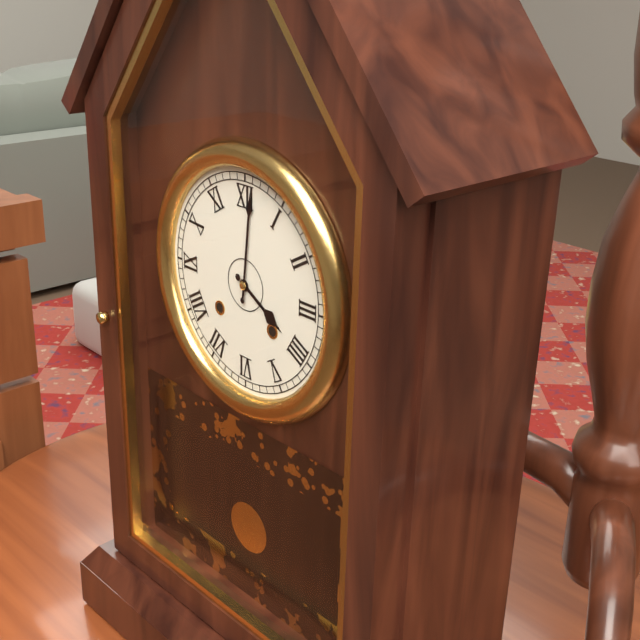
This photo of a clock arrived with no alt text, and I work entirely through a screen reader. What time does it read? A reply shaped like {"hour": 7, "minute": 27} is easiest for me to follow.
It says {"hour": 4, "minute": 1}
